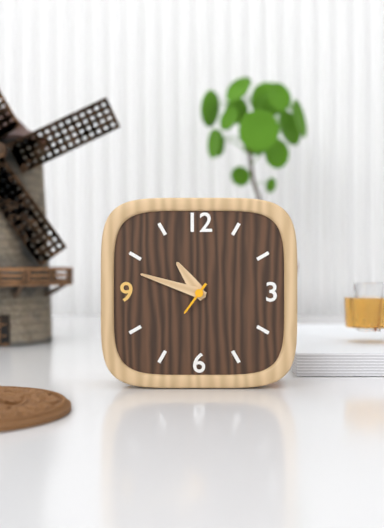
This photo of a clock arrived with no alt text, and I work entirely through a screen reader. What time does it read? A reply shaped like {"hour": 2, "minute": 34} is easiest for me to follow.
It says {"hour": 10, "minute": 48}
